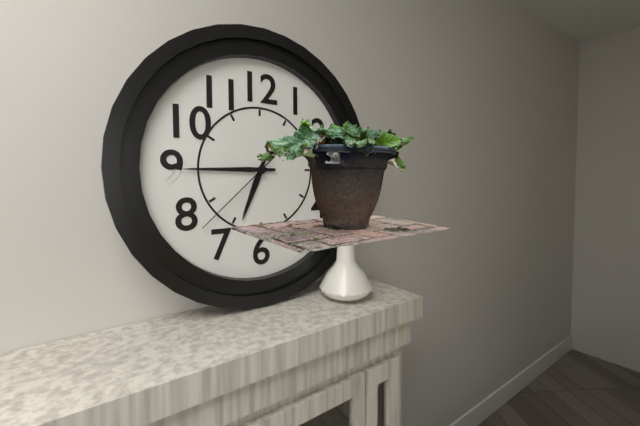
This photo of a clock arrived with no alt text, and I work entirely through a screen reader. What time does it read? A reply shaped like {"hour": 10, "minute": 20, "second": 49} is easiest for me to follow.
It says {"hour": 6, "minute": 45, "second": 38}
